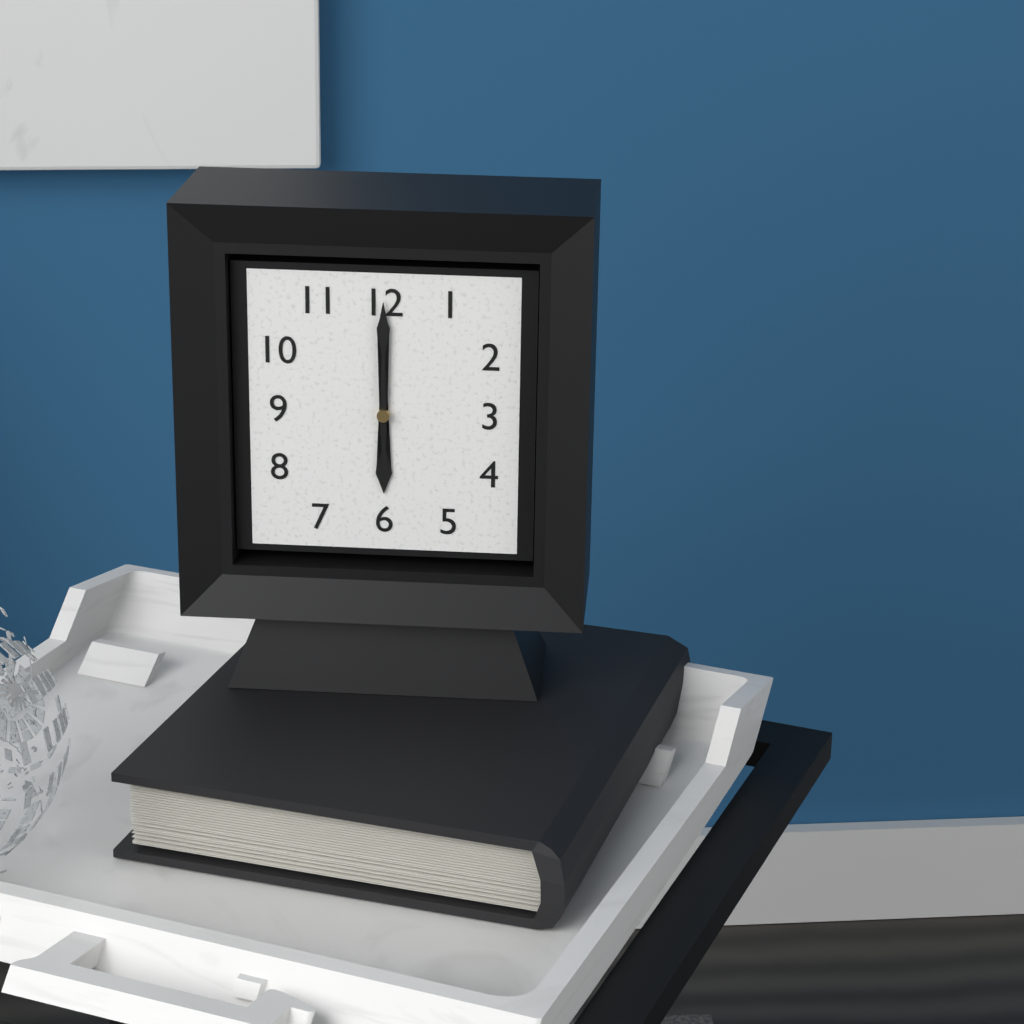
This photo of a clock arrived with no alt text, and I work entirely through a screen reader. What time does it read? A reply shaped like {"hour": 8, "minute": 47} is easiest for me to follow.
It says {"hour": 6, "minute": 0}
